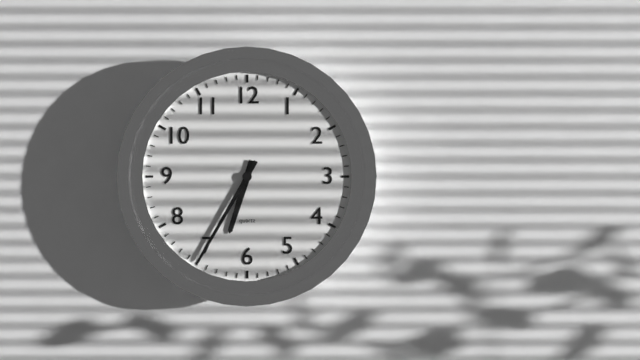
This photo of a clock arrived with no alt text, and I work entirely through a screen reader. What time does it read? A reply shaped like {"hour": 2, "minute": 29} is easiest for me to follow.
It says {"hour": 6, "minute": 35}
